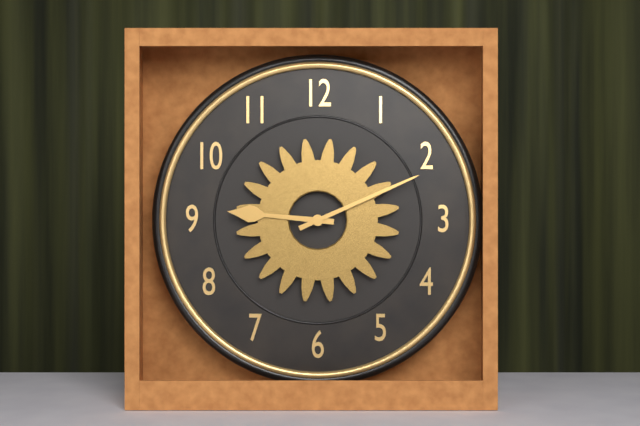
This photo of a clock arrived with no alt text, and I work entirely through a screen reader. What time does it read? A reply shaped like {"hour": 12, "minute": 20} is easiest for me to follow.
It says {"hour": 9, "minute": 11}
